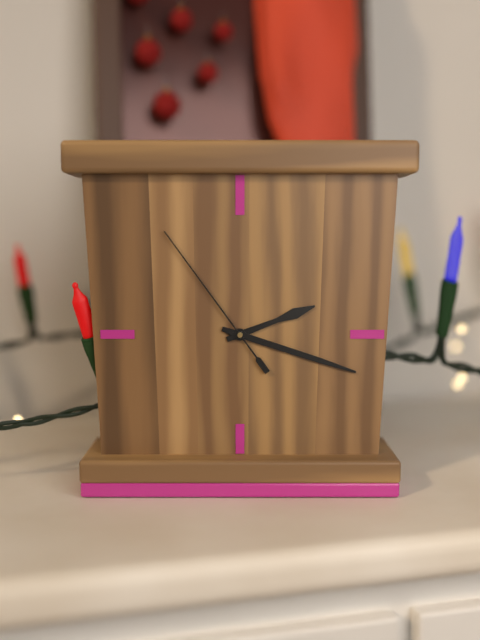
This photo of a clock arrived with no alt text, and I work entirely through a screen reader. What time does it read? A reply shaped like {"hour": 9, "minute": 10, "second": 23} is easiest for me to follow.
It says {"hour": 2, "minute": 18, "second": 54}
